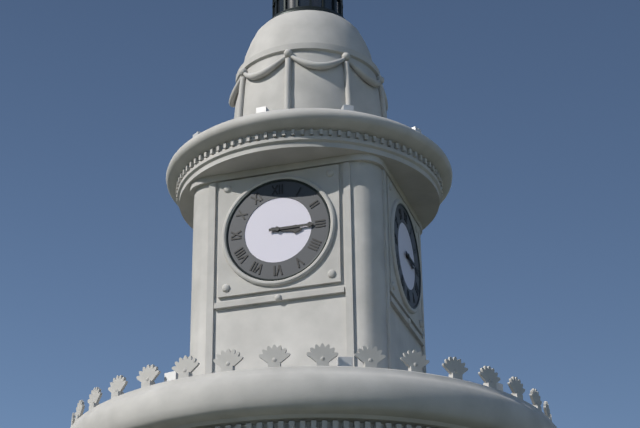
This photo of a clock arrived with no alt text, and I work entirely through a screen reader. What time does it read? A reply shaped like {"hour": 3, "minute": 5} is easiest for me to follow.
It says {"hour": 3, "minute": 15}
